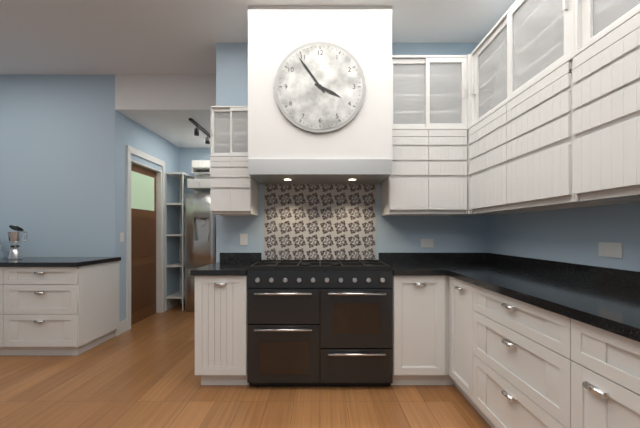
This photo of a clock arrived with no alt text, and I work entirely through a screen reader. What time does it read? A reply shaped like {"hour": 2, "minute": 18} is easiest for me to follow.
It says {"hour": 3, "minute": 54}
